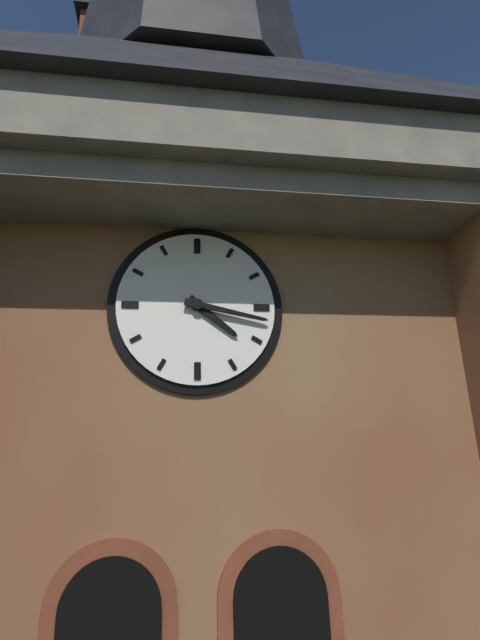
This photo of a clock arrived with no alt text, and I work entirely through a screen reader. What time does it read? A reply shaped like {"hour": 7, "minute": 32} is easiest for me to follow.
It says {"hour": 4, "minute": 17}
